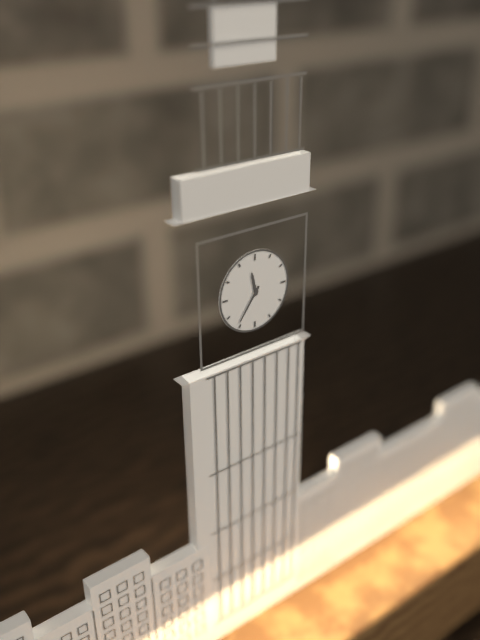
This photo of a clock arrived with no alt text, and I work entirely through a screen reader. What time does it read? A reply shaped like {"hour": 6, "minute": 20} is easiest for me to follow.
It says {"hour": 11, "minute": 36}
